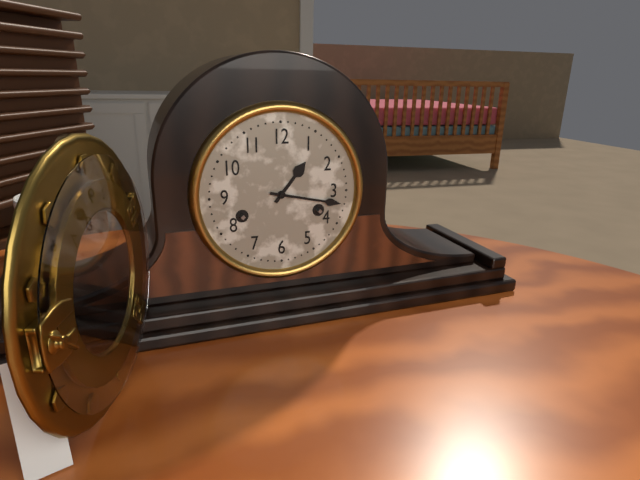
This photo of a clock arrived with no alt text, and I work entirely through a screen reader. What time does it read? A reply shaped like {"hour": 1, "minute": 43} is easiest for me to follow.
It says {"hour": 1, "minute": 17}
